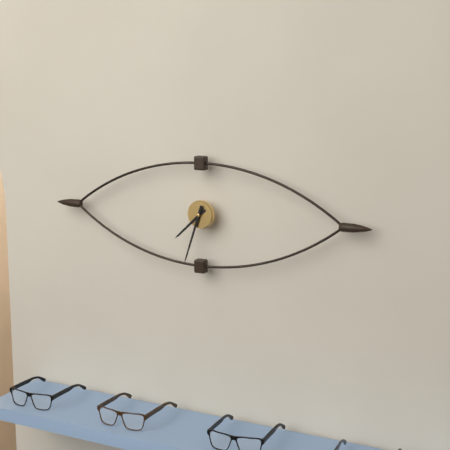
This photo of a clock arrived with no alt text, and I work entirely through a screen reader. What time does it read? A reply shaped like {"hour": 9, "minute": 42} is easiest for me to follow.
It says {"hour": 7, "minute": 33}
